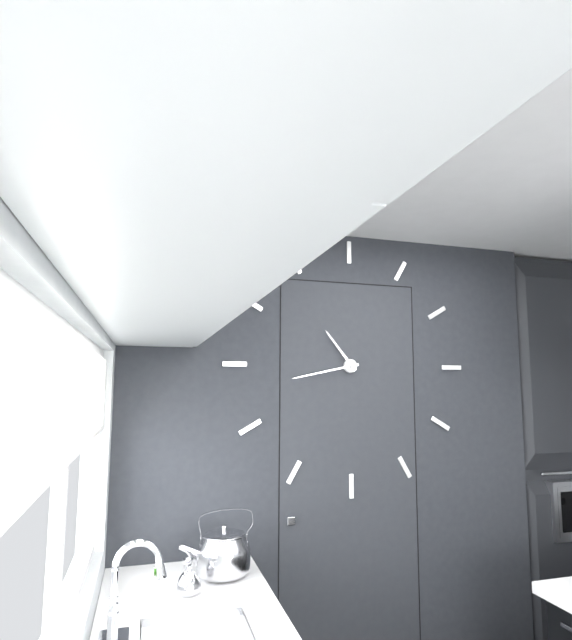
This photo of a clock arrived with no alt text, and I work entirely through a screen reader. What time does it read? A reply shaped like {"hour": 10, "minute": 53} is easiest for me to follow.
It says {"hour": 10, "minute": 43}
